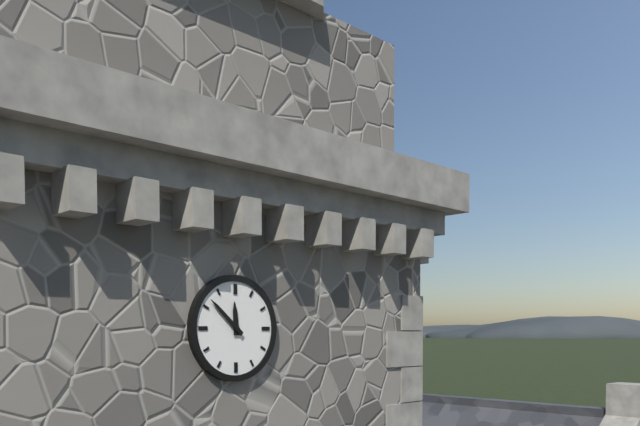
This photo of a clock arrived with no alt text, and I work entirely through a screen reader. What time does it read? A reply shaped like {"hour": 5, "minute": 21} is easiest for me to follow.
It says {"hour": 11, "minute": 52}
